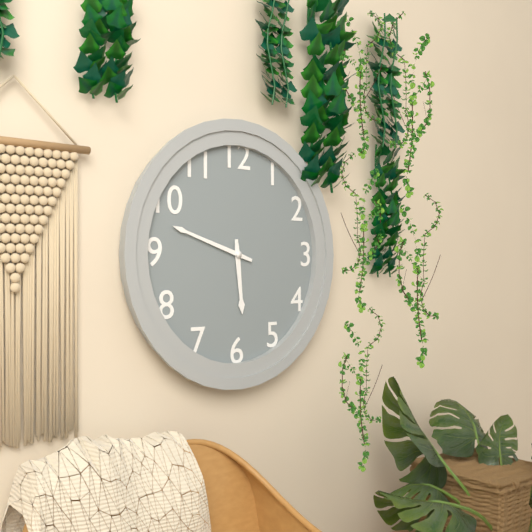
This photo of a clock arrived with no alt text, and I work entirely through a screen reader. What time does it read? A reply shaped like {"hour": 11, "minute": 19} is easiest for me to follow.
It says {"hour": 5, "minute": 48}
